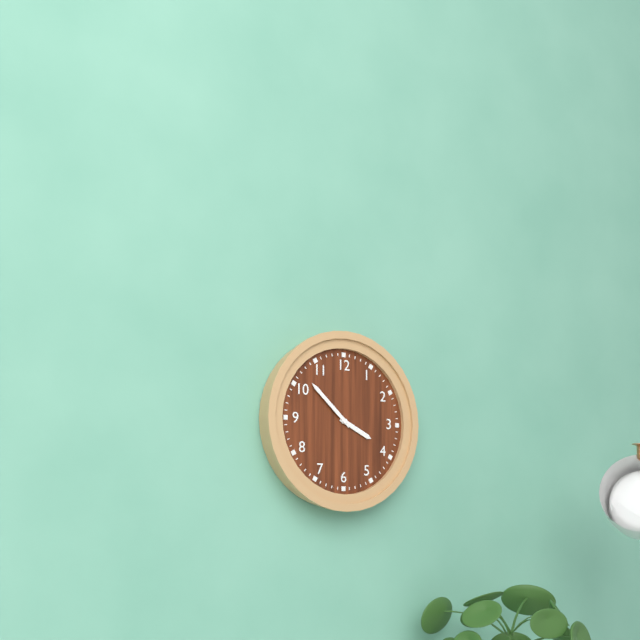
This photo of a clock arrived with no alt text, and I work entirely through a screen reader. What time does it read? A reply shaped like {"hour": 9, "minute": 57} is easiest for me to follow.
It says {"hour": 3, "minute": 52}
